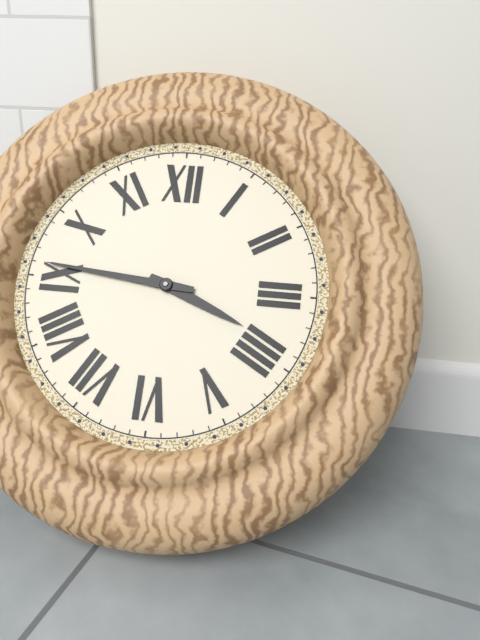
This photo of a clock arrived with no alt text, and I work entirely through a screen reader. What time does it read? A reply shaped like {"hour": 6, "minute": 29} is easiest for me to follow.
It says {"hour": 3, "minute": 46}
